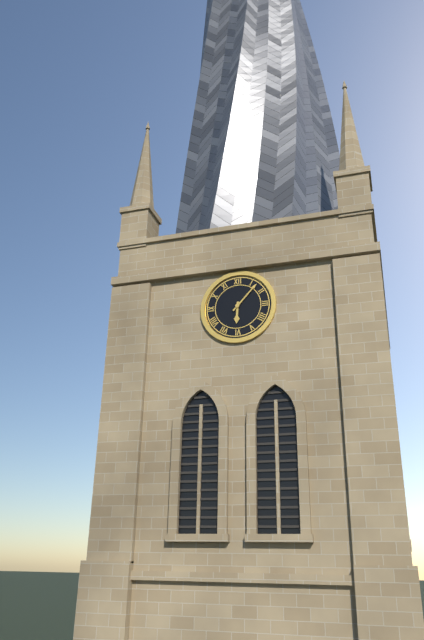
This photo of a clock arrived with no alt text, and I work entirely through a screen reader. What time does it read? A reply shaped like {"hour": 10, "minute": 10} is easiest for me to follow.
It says {"hour": 6, "minute": 7}
